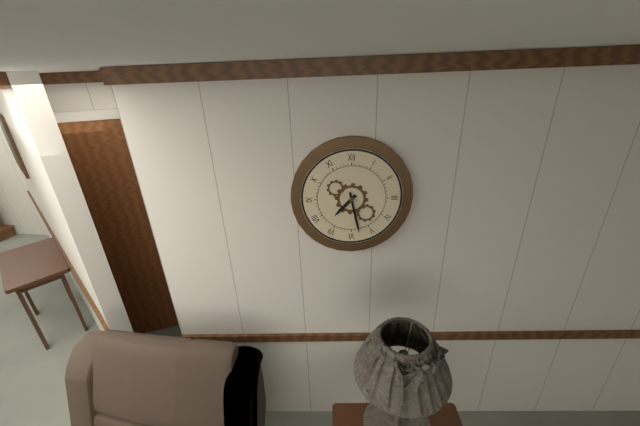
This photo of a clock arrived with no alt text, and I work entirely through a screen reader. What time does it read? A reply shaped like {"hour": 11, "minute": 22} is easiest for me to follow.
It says {"hour": 7, "minute": 28}
